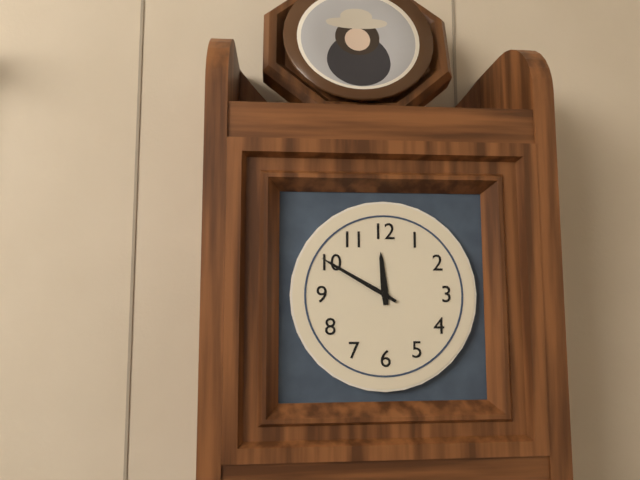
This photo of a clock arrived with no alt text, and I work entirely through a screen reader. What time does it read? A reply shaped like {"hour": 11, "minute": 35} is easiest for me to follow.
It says {"hour": 11, "minute": 50}
